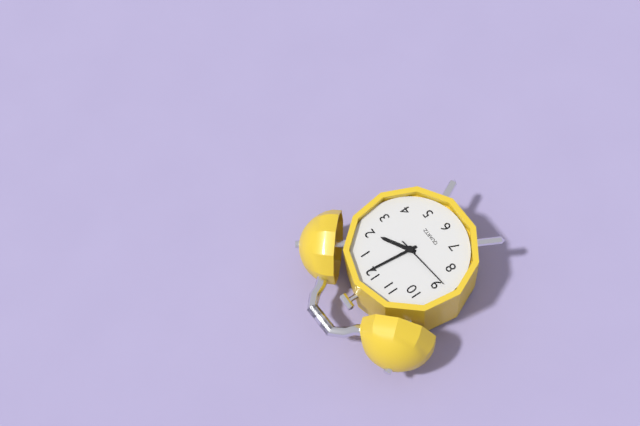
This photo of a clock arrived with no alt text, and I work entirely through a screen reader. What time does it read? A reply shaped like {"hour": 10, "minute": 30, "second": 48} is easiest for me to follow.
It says {"hour": 2, "minute": 1, "second": 44}
